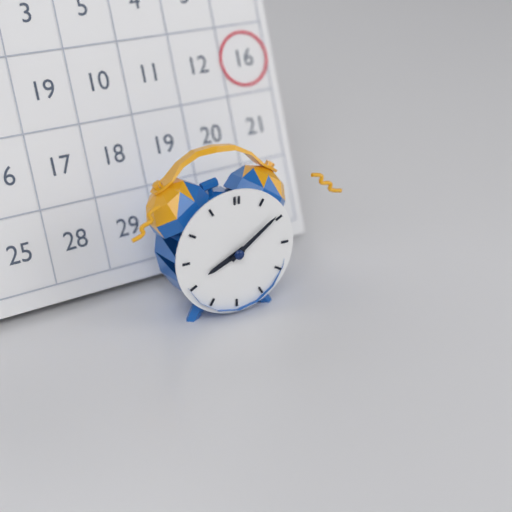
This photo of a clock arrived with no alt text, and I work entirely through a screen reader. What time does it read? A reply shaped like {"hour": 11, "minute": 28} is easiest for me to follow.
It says {"hour": 8, "minute": 9}
